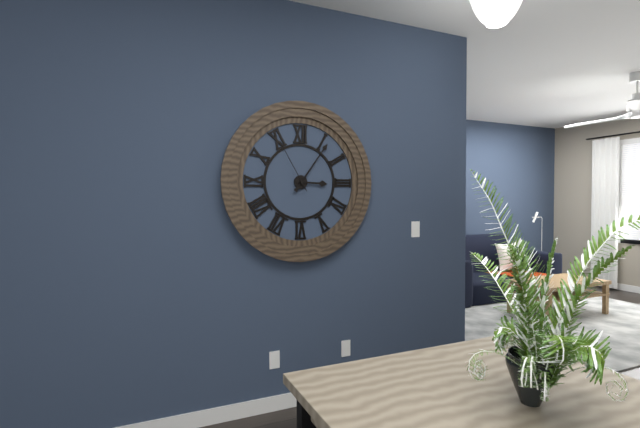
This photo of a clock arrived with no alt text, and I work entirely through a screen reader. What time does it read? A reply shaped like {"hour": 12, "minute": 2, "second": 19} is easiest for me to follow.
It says {"hour": 3, "minute": 6, "second": 55}
